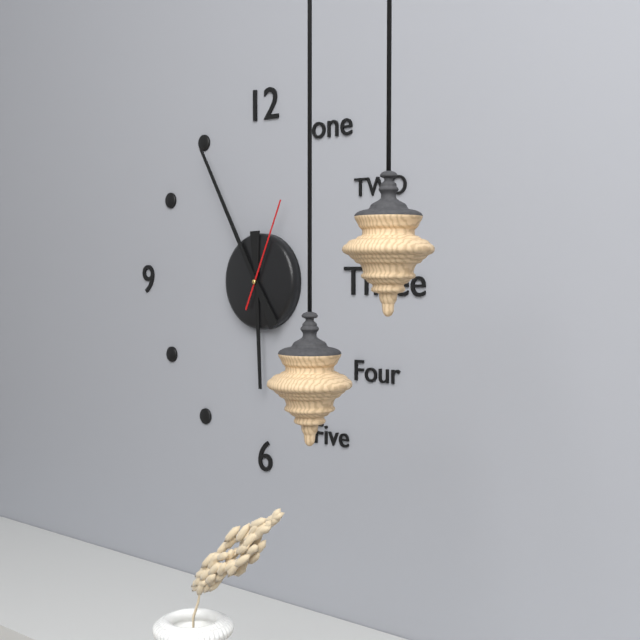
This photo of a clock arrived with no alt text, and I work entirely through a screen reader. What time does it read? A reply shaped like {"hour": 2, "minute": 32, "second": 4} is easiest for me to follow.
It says {"hour": 5, "minute": 55, "second": 4}
